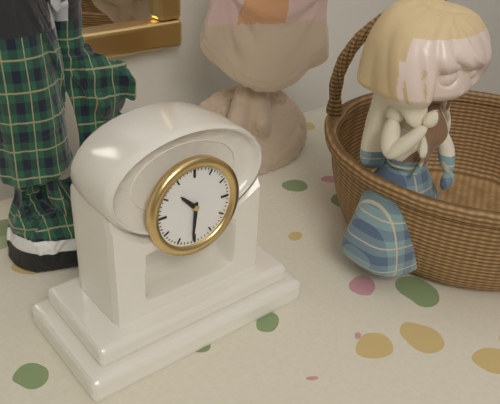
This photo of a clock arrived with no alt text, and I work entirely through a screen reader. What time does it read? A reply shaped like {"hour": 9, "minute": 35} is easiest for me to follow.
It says {"hour": 10, "minute": 31}
